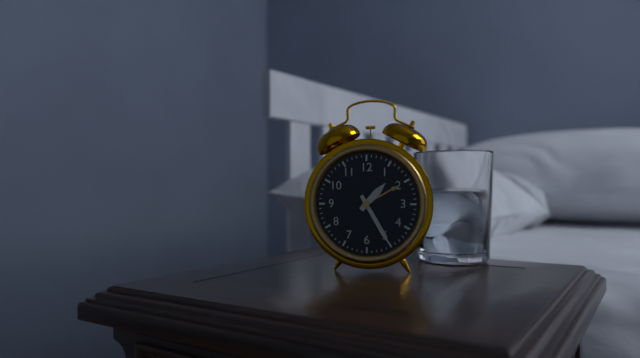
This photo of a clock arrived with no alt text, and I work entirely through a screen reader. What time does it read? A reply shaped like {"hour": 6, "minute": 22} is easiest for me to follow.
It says {"hour": 1, "minute": 25}
